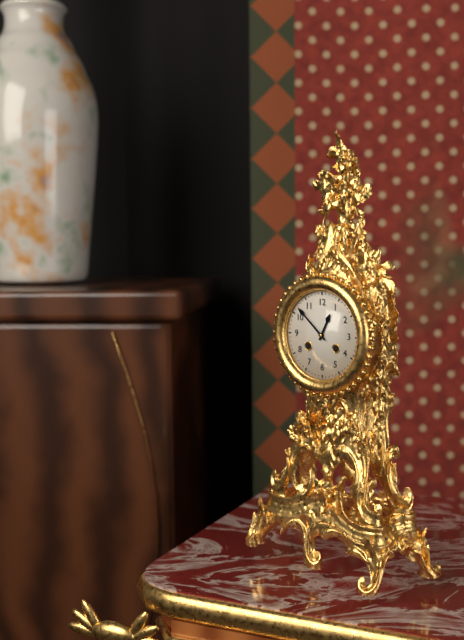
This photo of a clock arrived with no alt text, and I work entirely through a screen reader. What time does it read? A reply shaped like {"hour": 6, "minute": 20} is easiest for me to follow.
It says {"hour": 12, "minute": 52}
